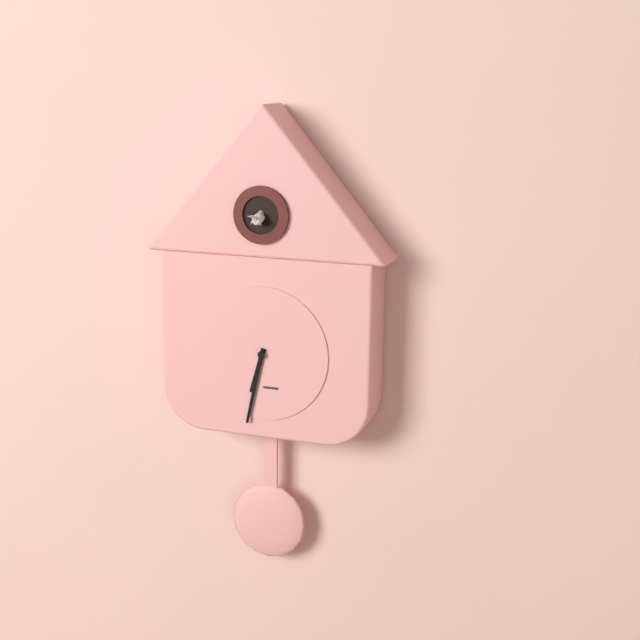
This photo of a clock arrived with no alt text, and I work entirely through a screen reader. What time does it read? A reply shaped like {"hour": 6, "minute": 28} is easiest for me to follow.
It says {"hour": 6, "minute": 32}
